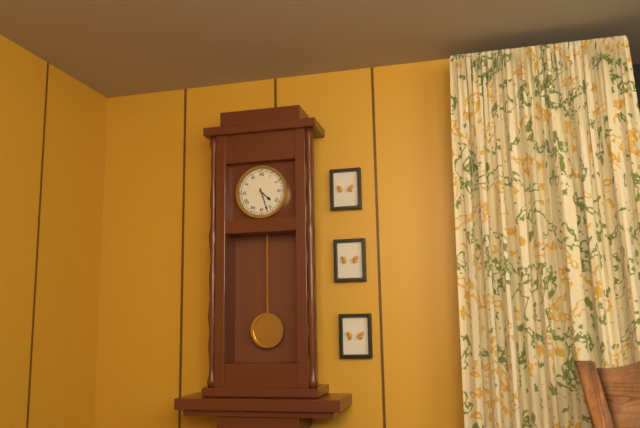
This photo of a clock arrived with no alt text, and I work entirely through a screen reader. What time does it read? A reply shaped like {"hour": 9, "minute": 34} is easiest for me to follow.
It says {"hour": 4, "minute": 27}
